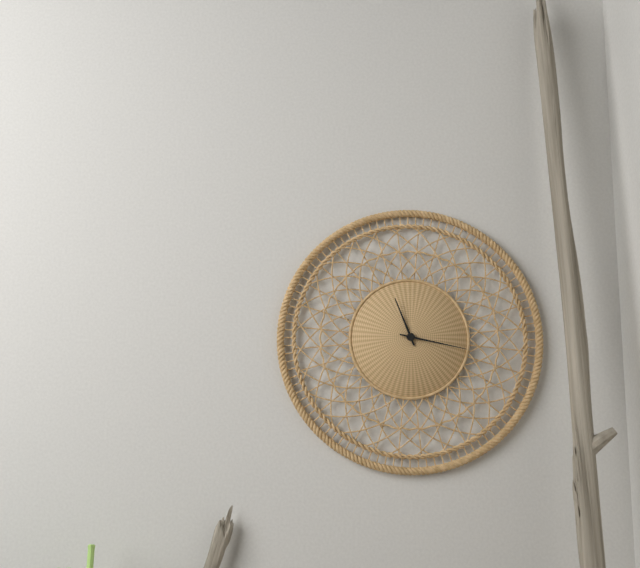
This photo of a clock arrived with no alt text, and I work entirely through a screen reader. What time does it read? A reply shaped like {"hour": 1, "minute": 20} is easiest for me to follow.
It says {"hour": 11, "minute": 17}
